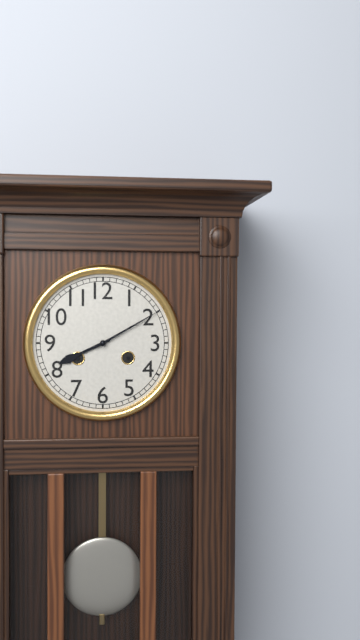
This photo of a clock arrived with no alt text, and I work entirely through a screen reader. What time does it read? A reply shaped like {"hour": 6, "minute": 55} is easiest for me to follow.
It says {"hour": 8, "minute": 10}
